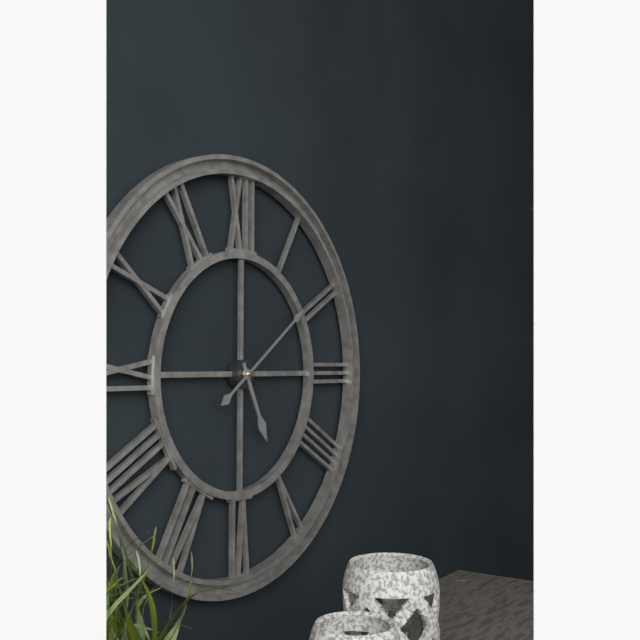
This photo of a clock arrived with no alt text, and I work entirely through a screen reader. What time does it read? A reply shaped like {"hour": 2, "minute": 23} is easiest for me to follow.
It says {"hour": 5, "minute": 9}
